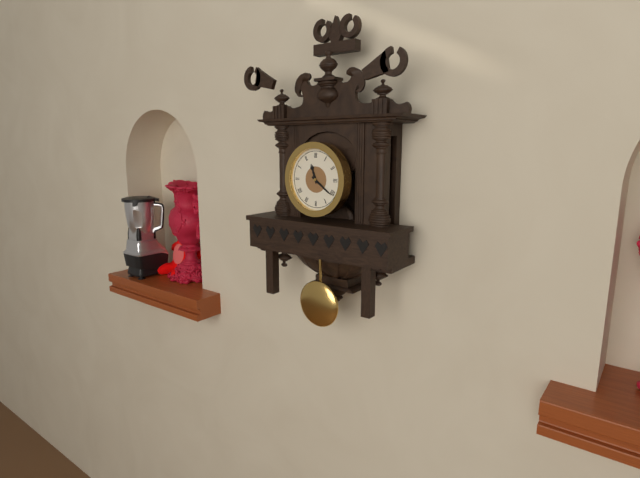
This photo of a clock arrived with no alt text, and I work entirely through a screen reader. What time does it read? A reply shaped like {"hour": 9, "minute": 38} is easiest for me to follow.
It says {"hour": 11, "minute": 21}
